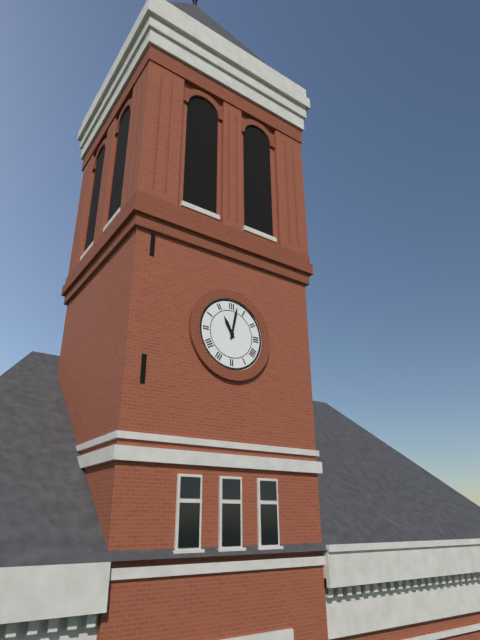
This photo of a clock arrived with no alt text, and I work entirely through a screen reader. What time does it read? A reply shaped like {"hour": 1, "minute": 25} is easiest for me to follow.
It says {"hour": 11, "minute": 2}
